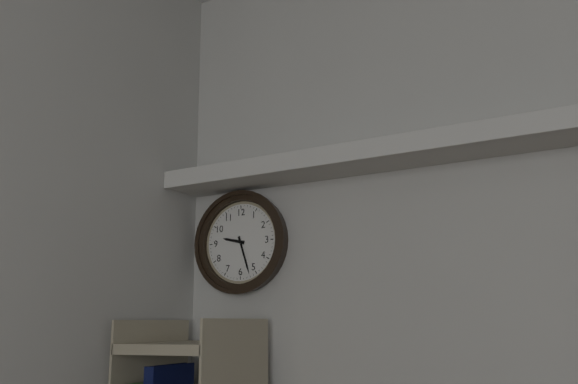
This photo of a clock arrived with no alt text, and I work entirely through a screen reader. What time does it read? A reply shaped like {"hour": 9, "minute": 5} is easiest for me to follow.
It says {"hour": 9, "minute": 27}
